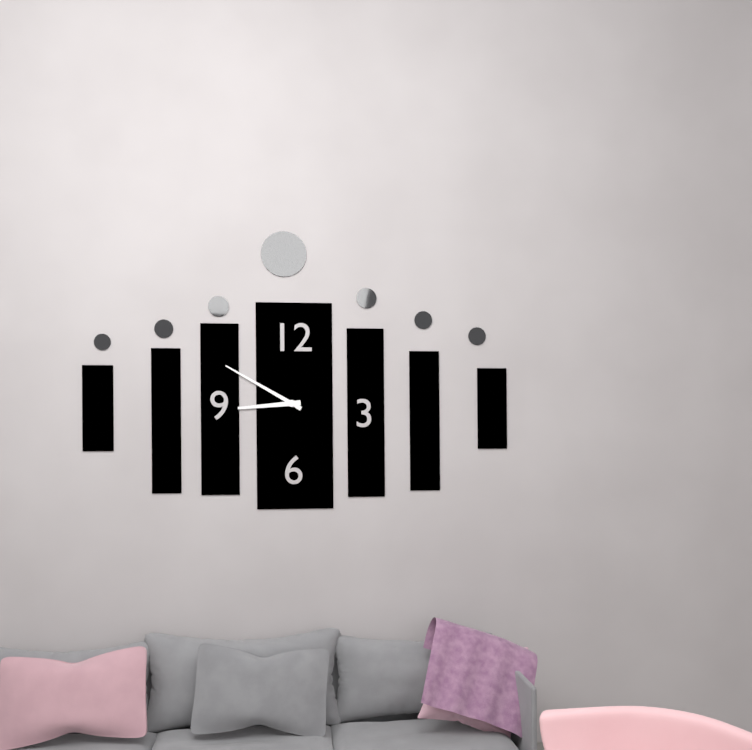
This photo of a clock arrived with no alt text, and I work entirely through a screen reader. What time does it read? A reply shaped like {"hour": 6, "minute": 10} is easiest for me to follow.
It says {"hour": 8, "minute": 50}
